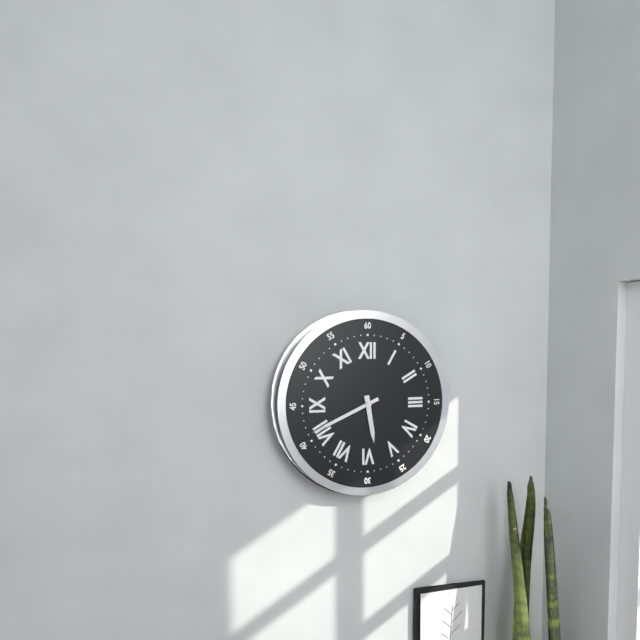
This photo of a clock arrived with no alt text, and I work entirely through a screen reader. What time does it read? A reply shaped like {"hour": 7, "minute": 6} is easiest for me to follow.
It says {"hour": 5, "minute": 41}
